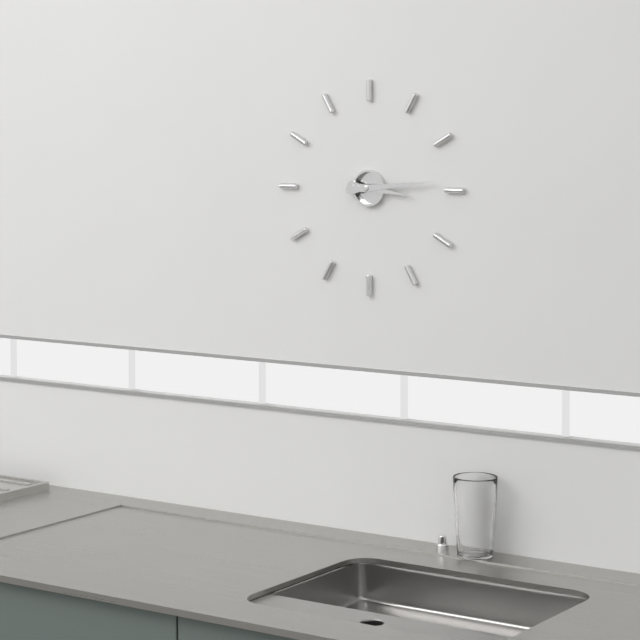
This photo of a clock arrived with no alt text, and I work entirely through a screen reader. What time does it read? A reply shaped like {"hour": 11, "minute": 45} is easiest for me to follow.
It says {"hour": 3, "minute": 14}
